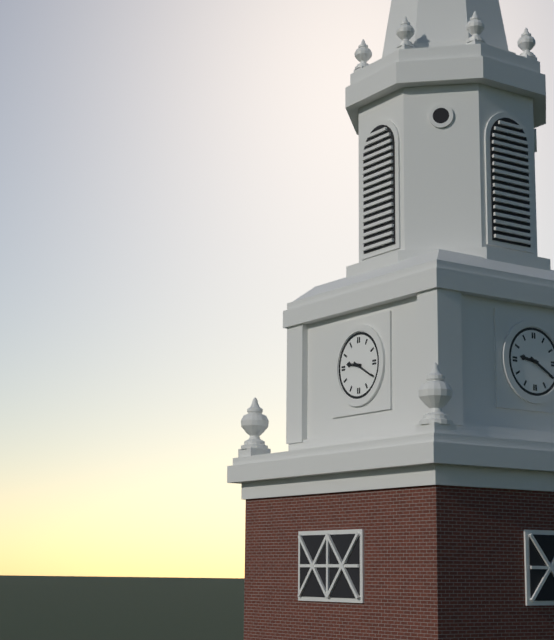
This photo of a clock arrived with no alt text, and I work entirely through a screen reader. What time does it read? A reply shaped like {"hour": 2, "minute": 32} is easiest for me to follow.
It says {"hour": 9, "minute": 20}
